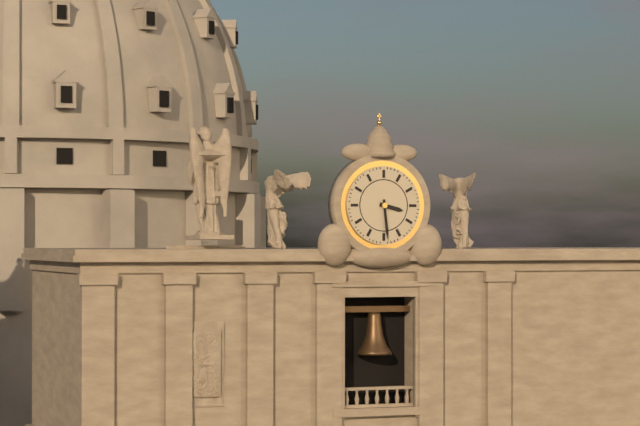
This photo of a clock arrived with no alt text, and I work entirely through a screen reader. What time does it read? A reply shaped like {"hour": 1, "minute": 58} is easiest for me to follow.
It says {"hour": 3, "minute": 29}
